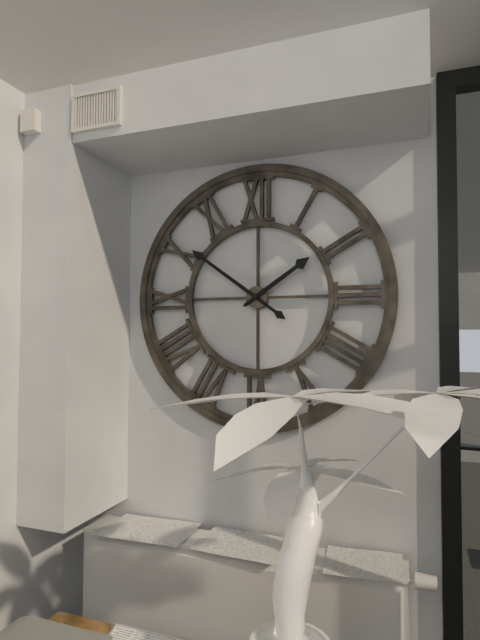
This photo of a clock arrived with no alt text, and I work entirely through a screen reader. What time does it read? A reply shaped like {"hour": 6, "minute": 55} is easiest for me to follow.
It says {"hour": 1, "minute": 51}
